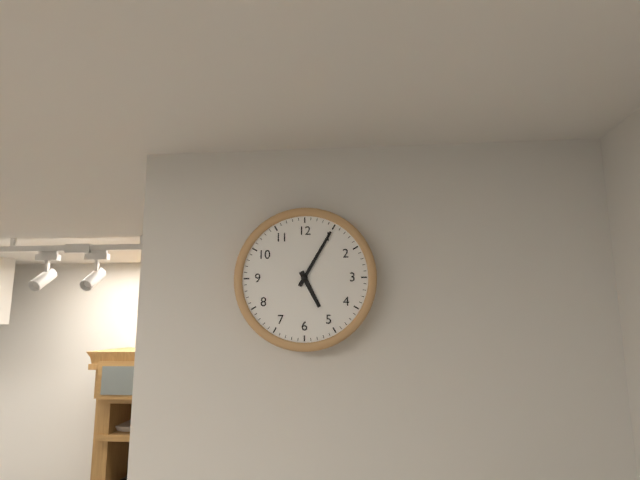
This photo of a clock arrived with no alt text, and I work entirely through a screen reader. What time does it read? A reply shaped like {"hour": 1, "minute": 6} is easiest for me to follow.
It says {"hour": 5, "minute": 5}
